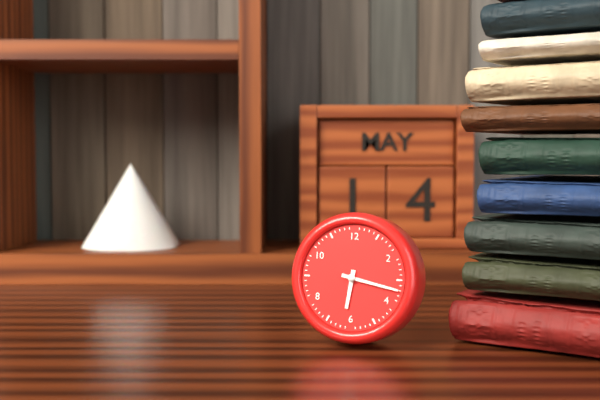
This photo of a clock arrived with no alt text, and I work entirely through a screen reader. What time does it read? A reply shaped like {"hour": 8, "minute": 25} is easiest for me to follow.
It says {"hour": 6, "minute": 17}
